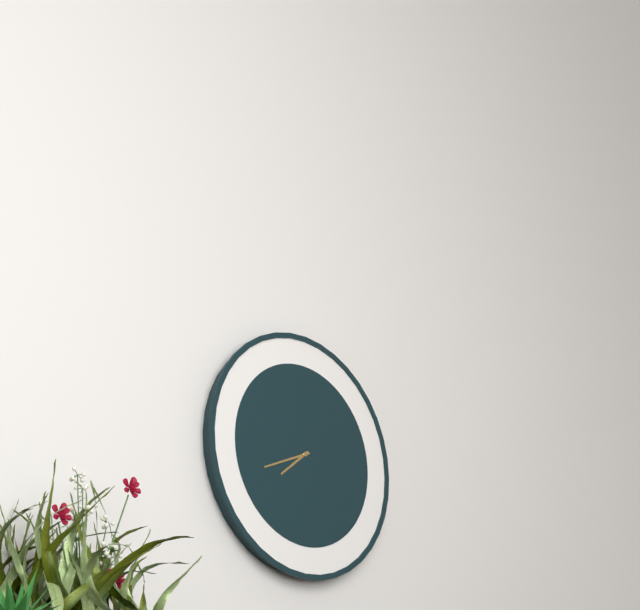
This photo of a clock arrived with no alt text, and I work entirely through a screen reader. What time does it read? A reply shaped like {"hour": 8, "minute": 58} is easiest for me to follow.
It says {"hour": 7, "minute": 41}
